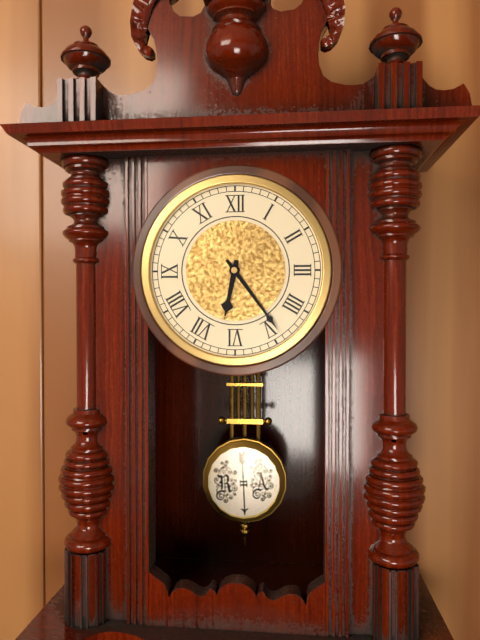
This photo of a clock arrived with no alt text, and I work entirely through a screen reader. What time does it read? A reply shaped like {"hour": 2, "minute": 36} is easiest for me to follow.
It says {"hour": 6, "minute": 24}
